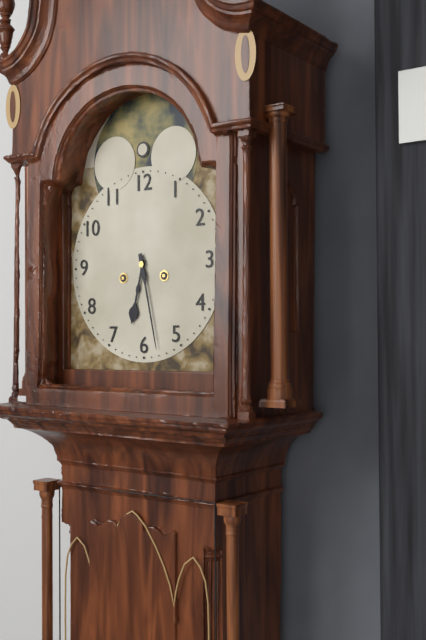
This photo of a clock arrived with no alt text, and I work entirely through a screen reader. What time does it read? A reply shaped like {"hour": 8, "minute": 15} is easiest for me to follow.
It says {"hour": 6, "minute": 28}
